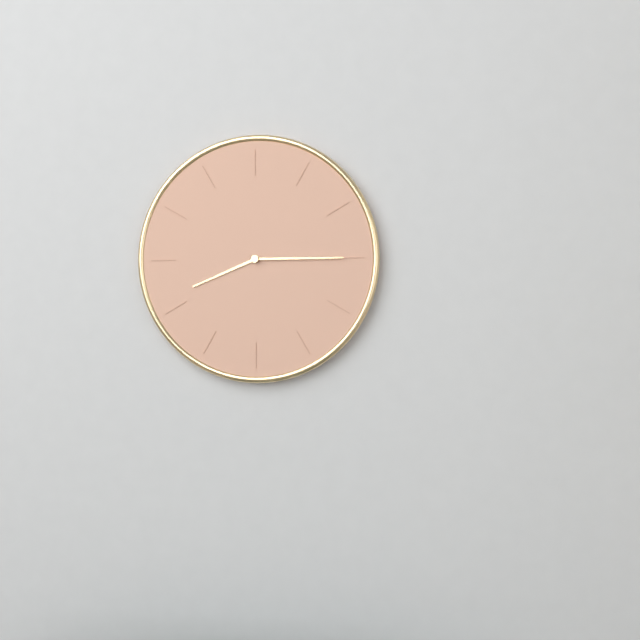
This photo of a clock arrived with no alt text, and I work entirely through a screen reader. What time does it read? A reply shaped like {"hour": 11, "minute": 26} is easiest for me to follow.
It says {"hour": 8, "minute": 15}
